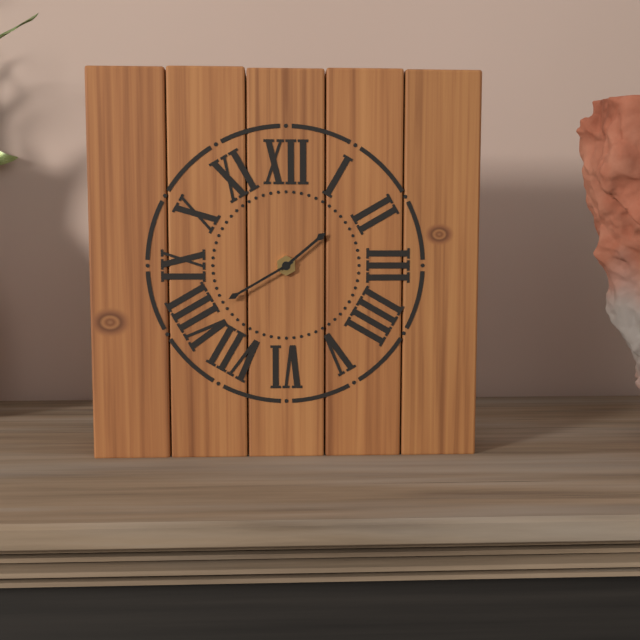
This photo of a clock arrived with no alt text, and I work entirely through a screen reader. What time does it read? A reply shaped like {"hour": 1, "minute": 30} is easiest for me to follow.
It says {"hour": 1, "minute": 40}
